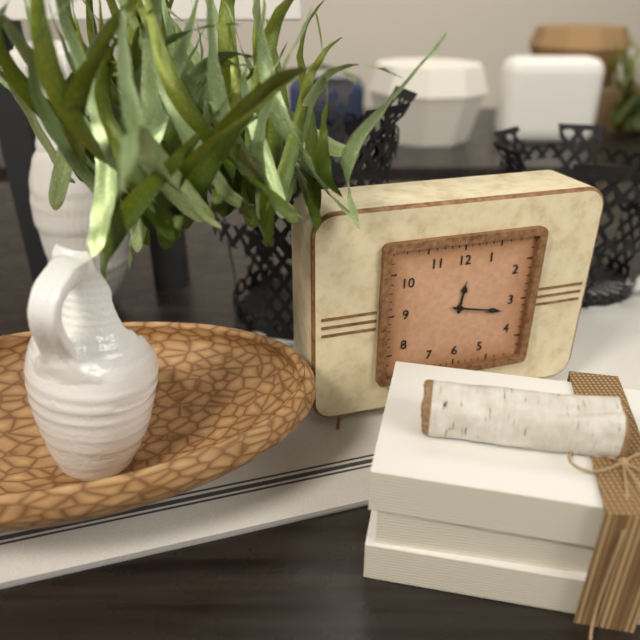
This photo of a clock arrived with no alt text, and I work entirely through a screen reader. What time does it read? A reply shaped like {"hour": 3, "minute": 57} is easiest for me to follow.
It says {"hour": 12, "minute": 17}
